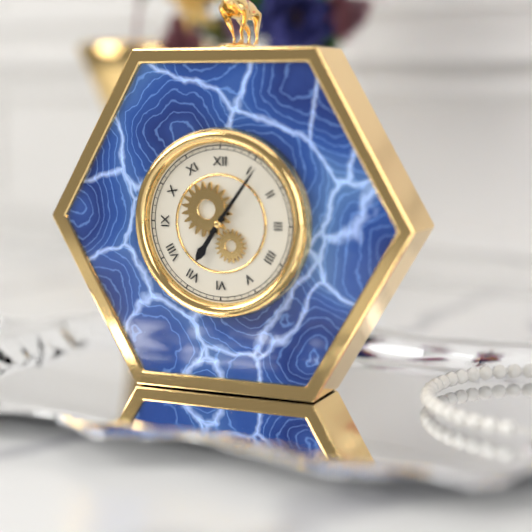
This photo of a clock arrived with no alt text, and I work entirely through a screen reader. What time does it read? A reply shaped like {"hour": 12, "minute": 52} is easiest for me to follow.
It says {"hour": 7, "minute": 6}
